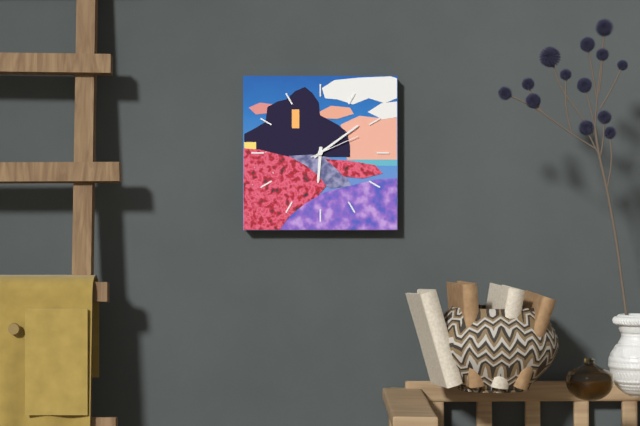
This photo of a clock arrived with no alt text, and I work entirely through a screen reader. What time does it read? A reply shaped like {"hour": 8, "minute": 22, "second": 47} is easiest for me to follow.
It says {"hour": 6, "minute": 9, "second": 11}
